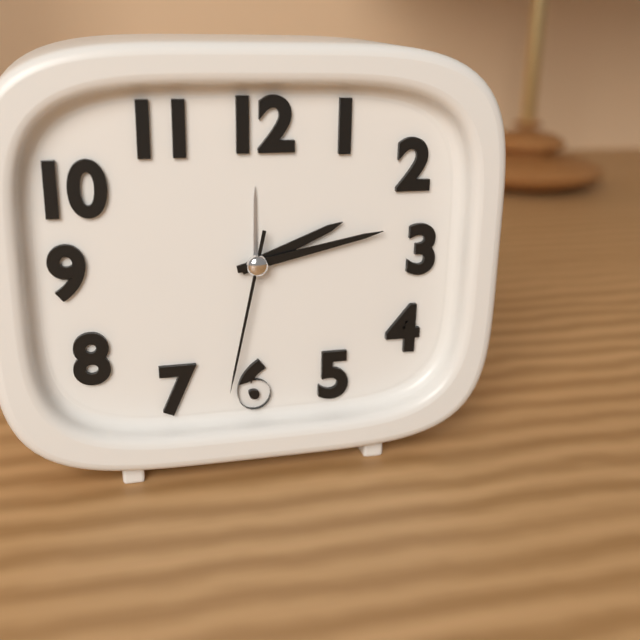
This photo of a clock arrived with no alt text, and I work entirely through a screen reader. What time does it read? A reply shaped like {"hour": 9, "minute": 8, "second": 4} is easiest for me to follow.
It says {"hour": 2, "minute": 13, "second": 32}
